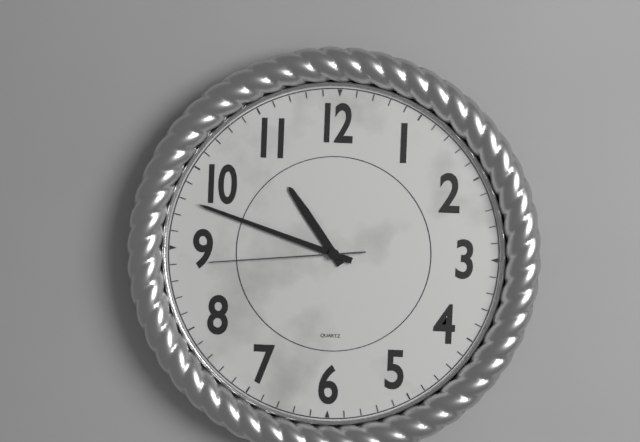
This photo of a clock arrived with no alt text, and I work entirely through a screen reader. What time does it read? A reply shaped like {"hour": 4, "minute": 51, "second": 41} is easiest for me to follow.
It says {"hour": 10, "minute": 48, "second": 44}
